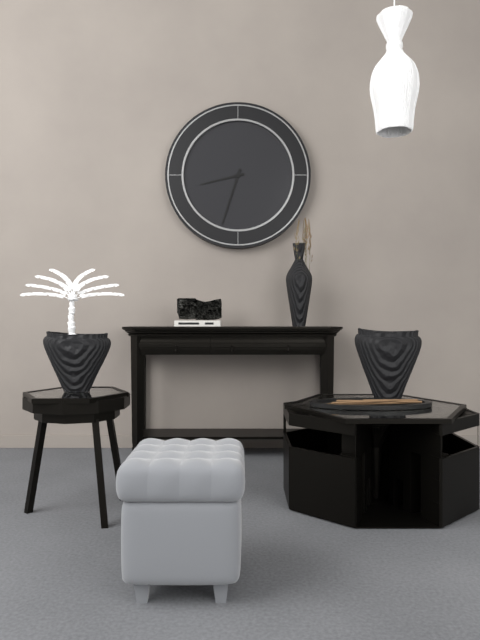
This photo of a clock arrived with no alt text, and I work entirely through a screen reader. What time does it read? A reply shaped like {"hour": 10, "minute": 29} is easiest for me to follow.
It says {"hour": 8, "minute": 33}
